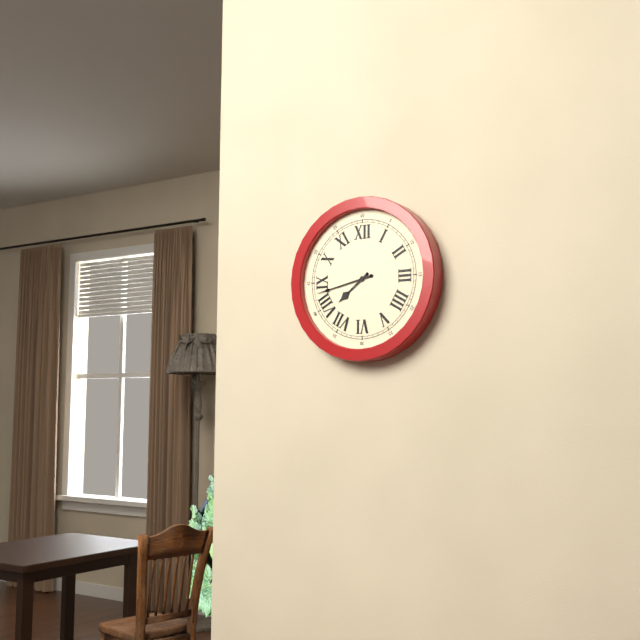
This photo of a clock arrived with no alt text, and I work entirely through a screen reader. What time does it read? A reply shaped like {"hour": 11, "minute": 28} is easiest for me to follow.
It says {"hour": 7, "minute": 43}
